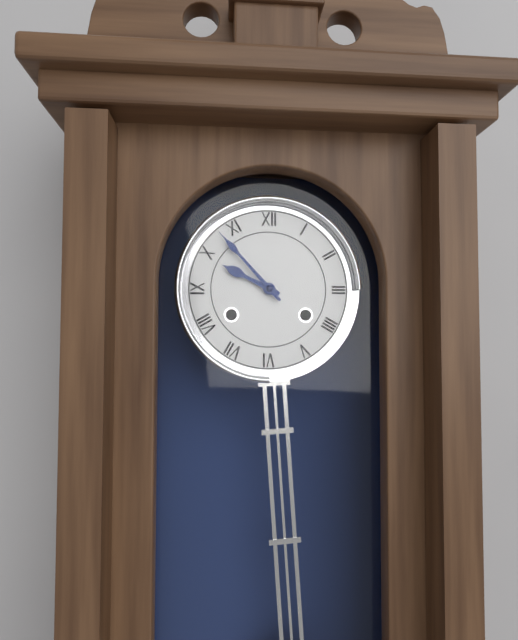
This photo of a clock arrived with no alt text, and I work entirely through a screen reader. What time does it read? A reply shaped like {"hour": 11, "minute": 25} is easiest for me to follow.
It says {"hour": 9, "minute": 53}
